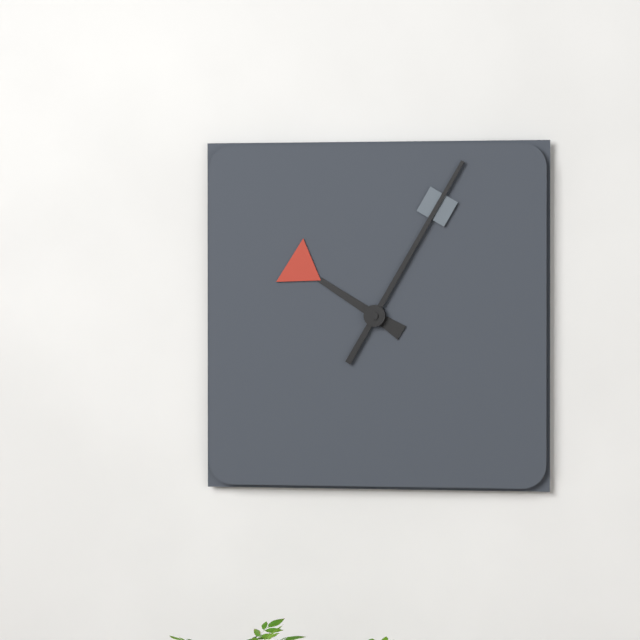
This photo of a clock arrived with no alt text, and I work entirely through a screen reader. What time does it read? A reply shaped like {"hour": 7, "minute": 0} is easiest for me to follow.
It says {"hour": 10, "minute": 5}
